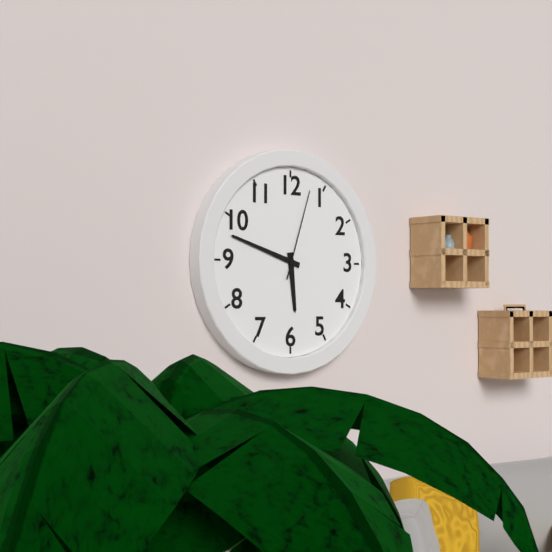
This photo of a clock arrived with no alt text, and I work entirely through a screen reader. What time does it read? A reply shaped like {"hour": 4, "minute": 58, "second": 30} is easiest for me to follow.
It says {"hour": 5, "minute": 48, "second": 3}
